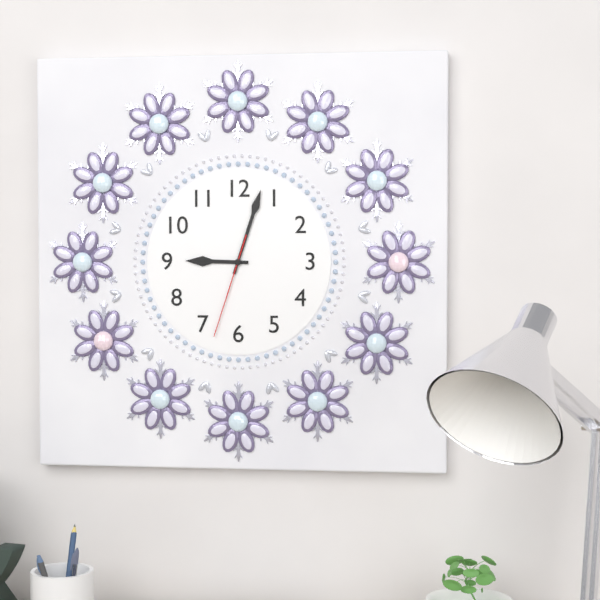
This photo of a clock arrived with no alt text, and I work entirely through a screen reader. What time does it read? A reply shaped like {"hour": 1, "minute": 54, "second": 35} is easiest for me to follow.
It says {"hour": 9, "minute": 3, "second": 33}
